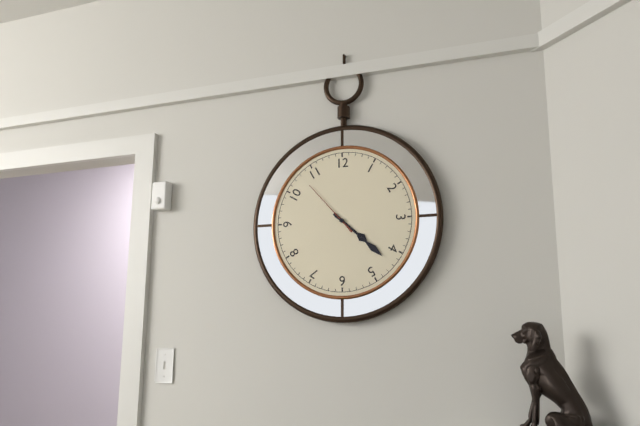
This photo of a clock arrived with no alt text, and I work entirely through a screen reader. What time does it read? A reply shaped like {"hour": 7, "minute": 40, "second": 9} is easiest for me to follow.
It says {"hour": 4, "minute": 22, "second": 53}
